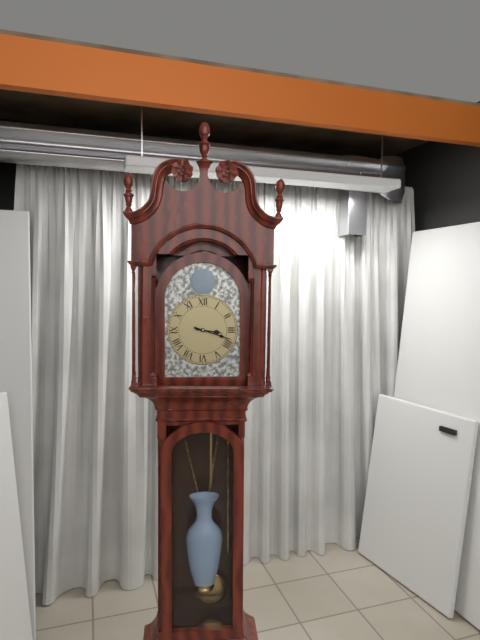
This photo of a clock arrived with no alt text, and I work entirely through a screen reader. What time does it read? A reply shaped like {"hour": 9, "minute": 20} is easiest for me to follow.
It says {"hour": 3, "minute": 18}
